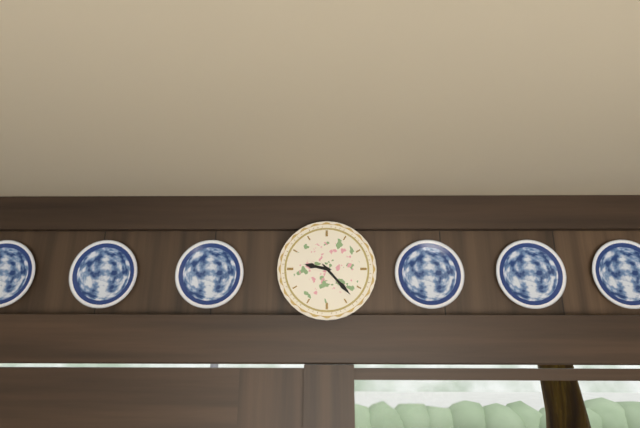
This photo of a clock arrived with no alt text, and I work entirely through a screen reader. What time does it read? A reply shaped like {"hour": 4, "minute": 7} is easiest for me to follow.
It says {"hour": 9, "minute": 23}
